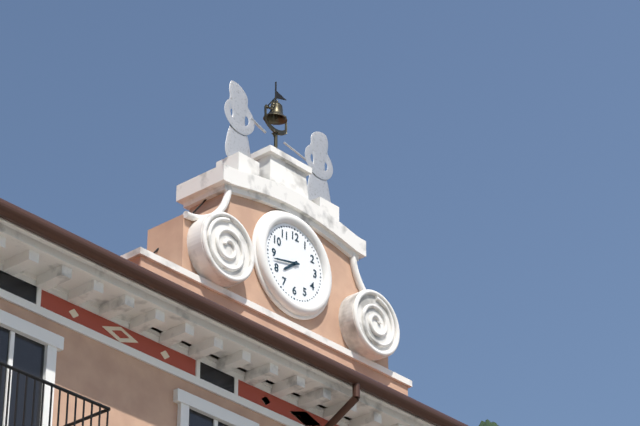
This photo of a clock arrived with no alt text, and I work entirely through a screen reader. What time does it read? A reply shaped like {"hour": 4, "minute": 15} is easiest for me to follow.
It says {"hour": 7, "minute": 43}
